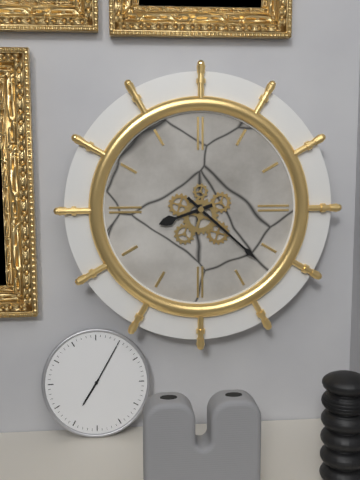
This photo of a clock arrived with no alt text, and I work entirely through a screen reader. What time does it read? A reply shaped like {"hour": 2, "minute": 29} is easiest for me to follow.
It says {"hour": 8, "minute": 22}
